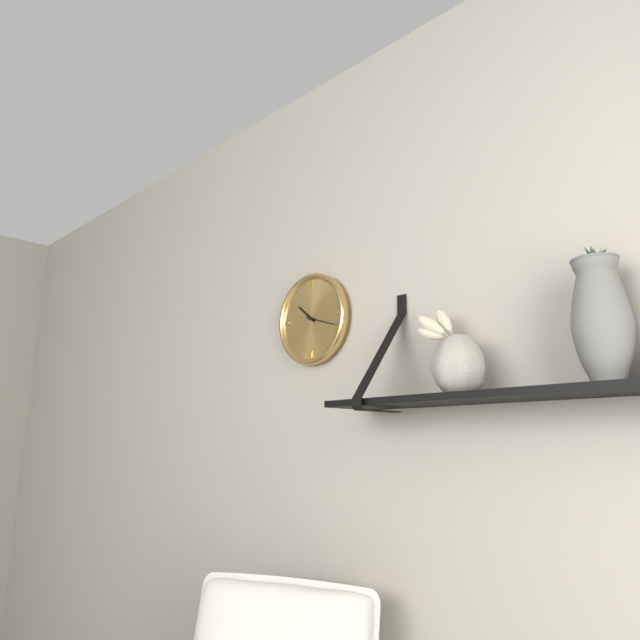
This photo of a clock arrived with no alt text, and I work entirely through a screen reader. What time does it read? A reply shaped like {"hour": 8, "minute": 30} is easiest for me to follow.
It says {"hour": 10, "minute": 18}
